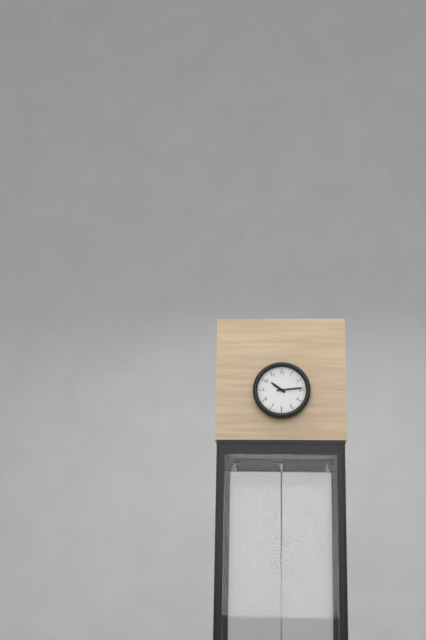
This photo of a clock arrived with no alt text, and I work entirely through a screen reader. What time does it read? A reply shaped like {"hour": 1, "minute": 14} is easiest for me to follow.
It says {"hour": 10, "minute": 14}
